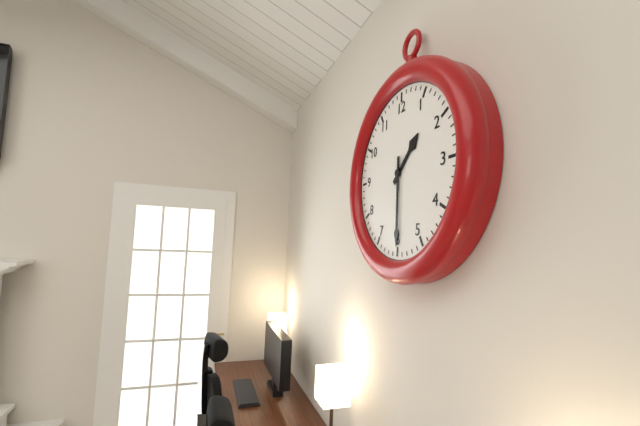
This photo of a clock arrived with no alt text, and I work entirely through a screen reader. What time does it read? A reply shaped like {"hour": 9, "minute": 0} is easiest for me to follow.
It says {"hour": 1, "minute": 30}
